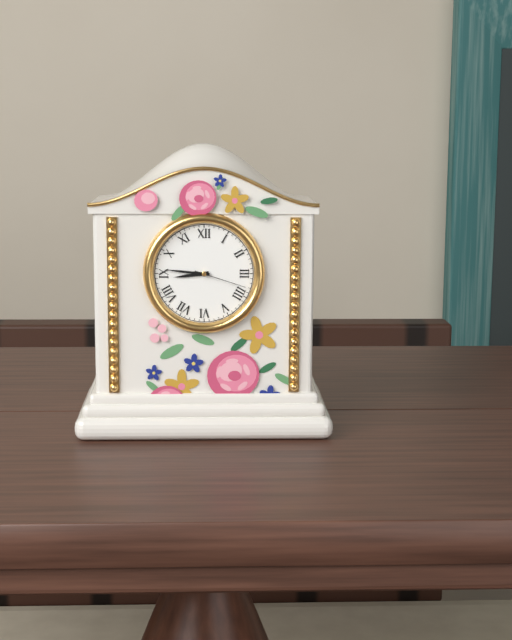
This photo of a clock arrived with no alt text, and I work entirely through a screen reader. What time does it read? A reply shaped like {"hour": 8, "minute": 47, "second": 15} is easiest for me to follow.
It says {"hour": 8, "minute": 46, "second": 18}
